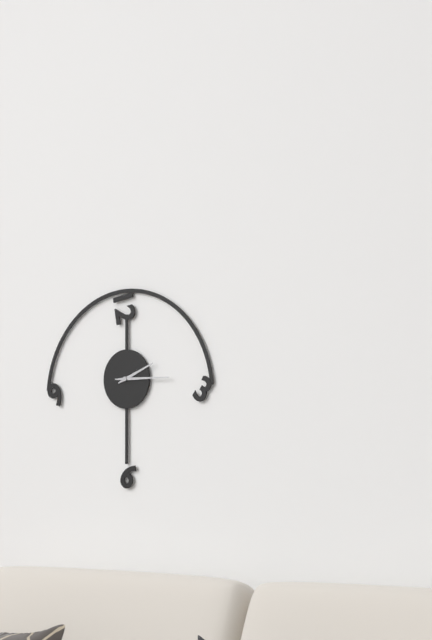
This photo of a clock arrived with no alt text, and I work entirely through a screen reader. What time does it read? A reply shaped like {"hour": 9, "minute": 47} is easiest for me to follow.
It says {"hour": 2, "minute": 15}
